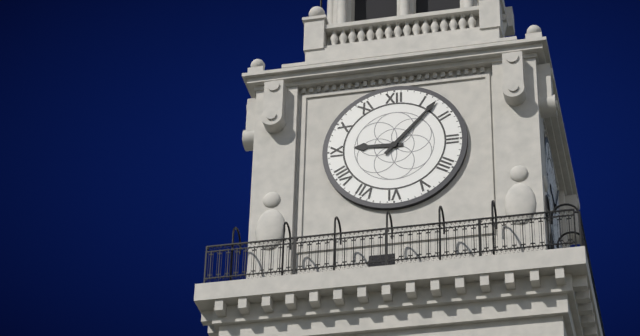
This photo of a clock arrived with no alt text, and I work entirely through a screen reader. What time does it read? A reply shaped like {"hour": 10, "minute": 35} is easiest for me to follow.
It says {"hour": 9, "minute": 7}
